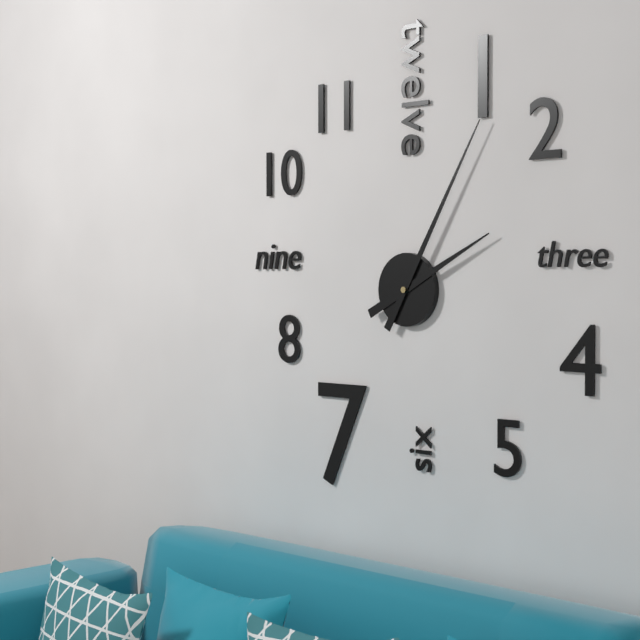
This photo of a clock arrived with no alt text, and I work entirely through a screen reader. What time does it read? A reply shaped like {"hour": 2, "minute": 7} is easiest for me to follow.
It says {"hour": 2, "minute": 5}
